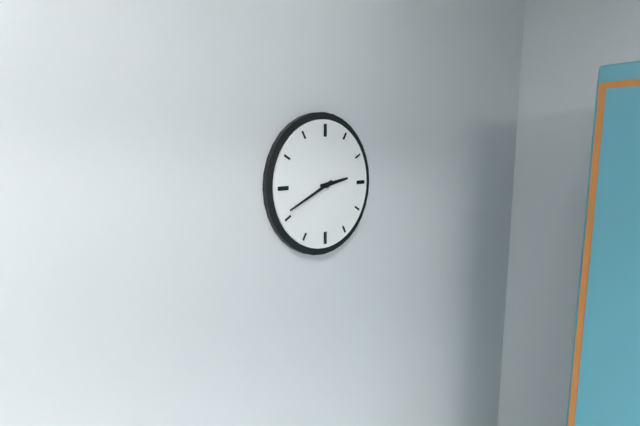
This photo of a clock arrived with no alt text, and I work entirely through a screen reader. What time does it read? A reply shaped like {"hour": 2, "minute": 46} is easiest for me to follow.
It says {"hour": 2, "minute": 41}
